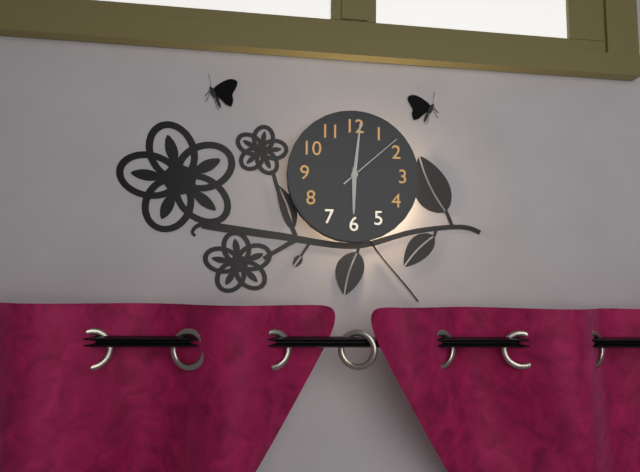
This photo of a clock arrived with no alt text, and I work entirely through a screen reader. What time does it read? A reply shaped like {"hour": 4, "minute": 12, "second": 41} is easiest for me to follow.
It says {"hour": 6, "minute": 1, "second": 8}
